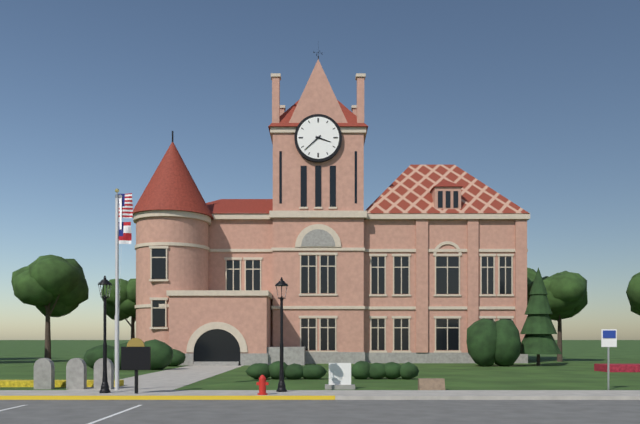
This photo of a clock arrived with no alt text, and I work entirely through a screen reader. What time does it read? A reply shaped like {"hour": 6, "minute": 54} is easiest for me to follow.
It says {"hour": 3, "minute": 38}
